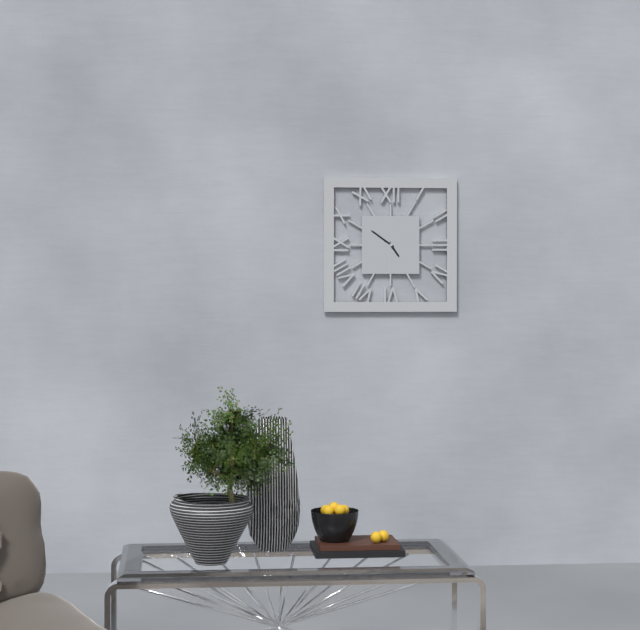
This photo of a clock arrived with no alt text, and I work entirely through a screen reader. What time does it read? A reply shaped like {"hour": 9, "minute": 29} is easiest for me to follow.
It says {"hour": 4, "minute": 51}
